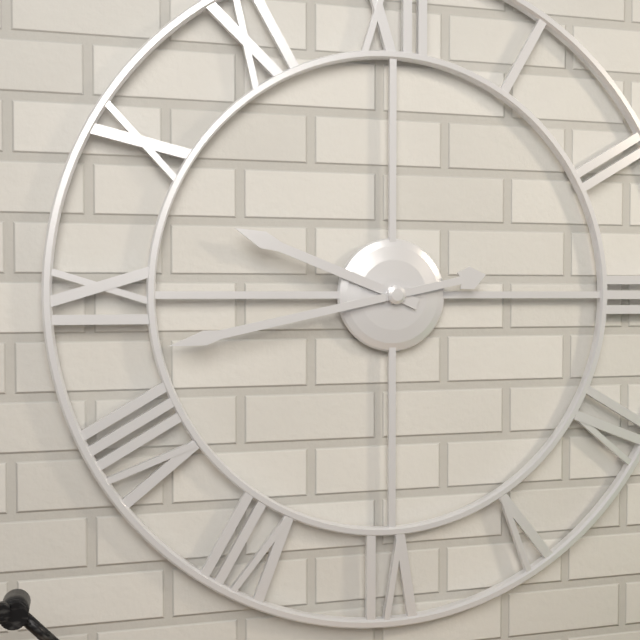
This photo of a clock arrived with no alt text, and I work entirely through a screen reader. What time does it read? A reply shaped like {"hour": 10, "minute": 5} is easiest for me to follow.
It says {"hour": 9, "minute": 43}
